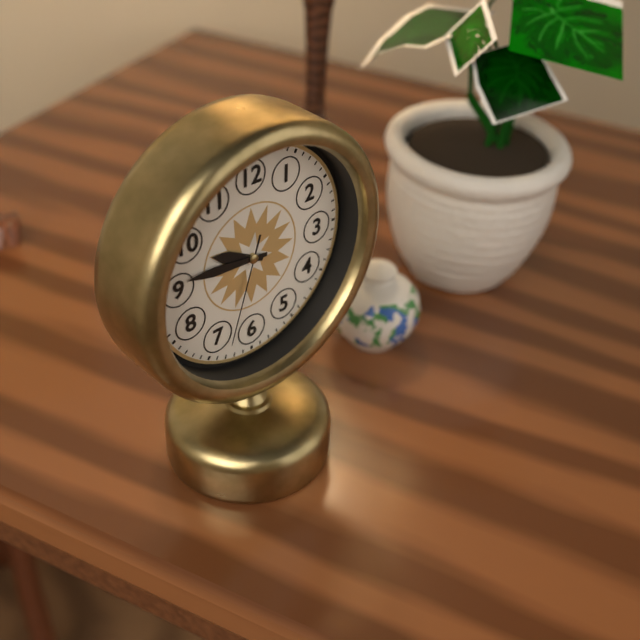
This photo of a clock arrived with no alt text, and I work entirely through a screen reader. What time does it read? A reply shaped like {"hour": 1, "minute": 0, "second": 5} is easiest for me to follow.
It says {"hour": 9, "minute": 46, "second": 33}
